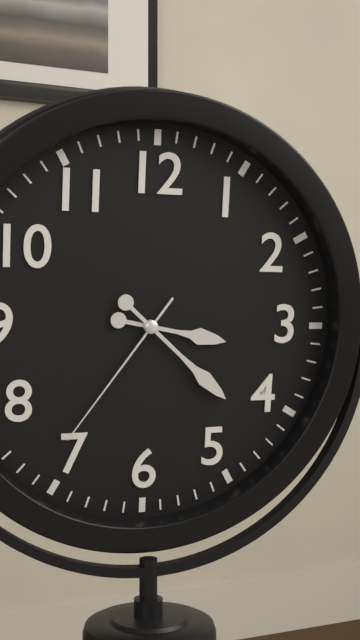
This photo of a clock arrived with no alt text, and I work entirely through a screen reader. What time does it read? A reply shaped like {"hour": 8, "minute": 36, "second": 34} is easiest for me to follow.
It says {"hour": 3, "minute": 22, "second": 36}
